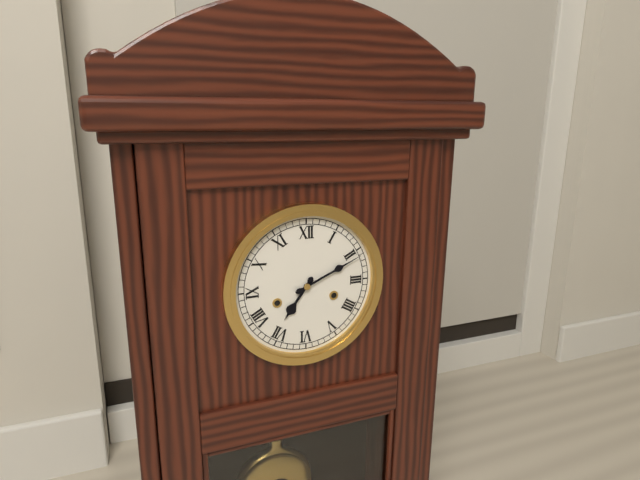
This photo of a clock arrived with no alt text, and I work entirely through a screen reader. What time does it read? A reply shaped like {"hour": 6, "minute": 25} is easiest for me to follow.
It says {"hour": 7, "minute": 11}
